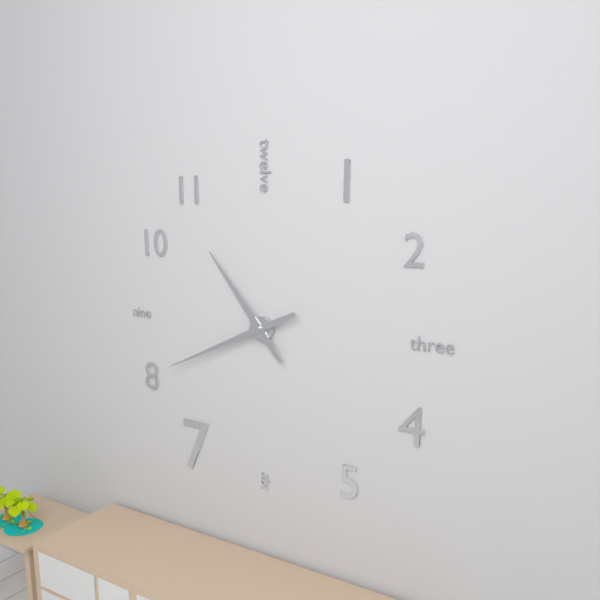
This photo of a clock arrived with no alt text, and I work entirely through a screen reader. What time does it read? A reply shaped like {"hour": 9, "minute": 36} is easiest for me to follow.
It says {"hour": 10, "minute": 41}
